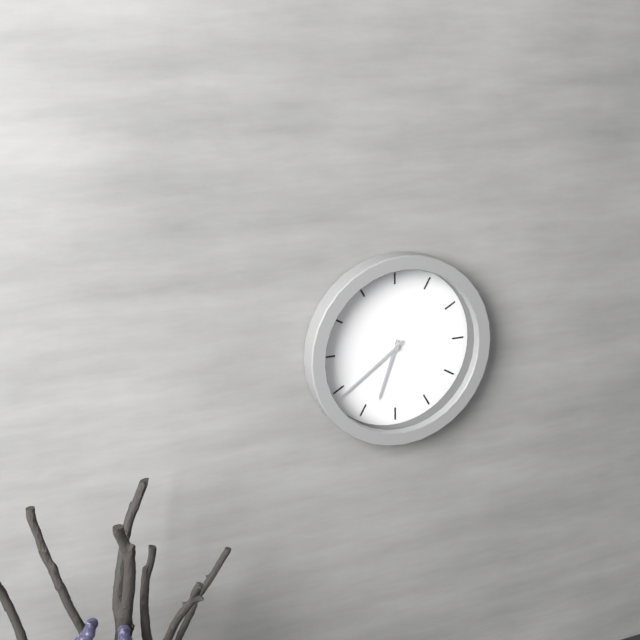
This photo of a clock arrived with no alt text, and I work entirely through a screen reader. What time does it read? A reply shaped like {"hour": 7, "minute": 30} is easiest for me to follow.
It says {"hour": 6, "minute": 39}
